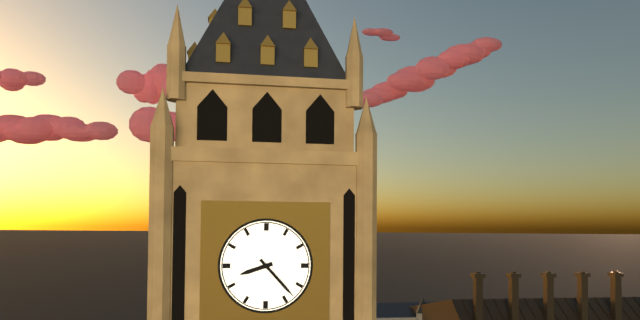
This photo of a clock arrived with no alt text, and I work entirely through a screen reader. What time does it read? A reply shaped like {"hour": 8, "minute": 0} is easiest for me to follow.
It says {"hour": 8, "minute": 23}
